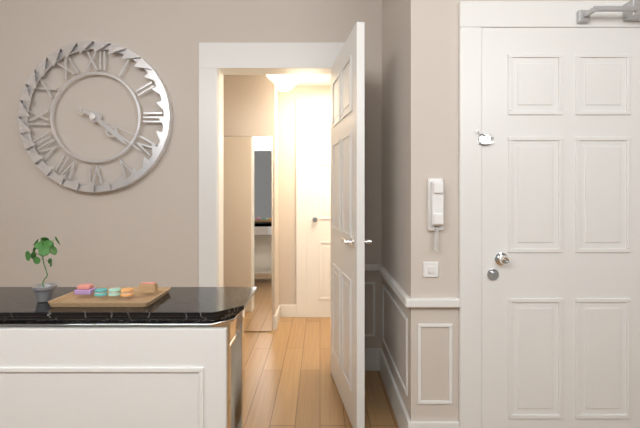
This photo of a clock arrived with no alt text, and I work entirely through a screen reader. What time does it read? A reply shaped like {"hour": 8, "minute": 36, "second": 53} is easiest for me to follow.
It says {"hour": 4, "minute": 21, "second": 19}
